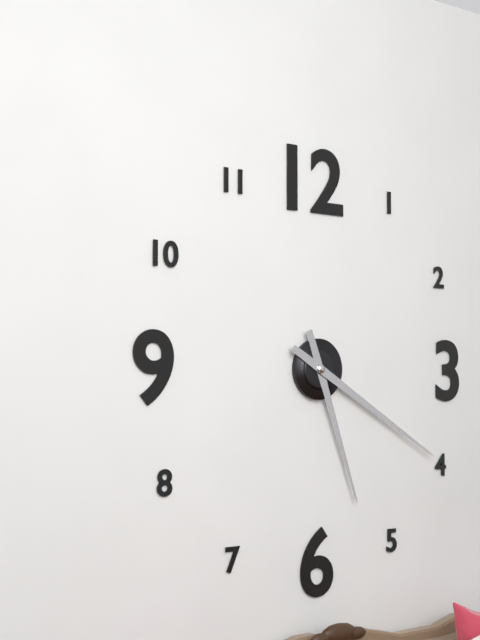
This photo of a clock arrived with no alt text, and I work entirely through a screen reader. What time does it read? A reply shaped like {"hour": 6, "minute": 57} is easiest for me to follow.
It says {"hour": 5, "minute": 20}
